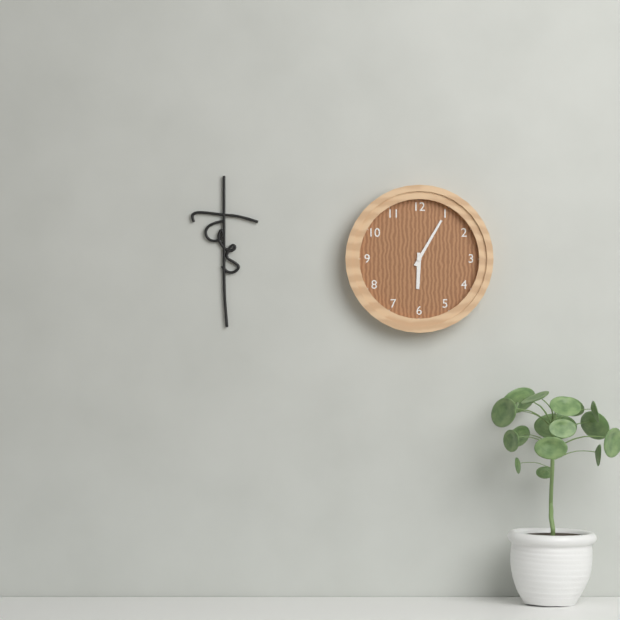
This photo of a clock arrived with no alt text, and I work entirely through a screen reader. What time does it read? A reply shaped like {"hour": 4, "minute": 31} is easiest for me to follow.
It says {"hour": 6, "minute": 5}
